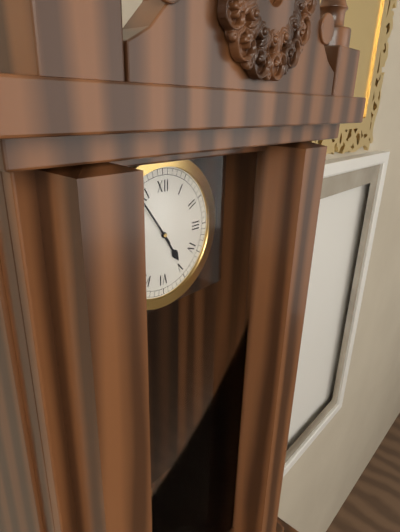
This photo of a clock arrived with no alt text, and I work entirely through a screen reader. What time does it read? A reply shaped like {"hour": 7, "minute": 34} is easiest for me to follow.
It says {"hour": 4, "minute": 54}
